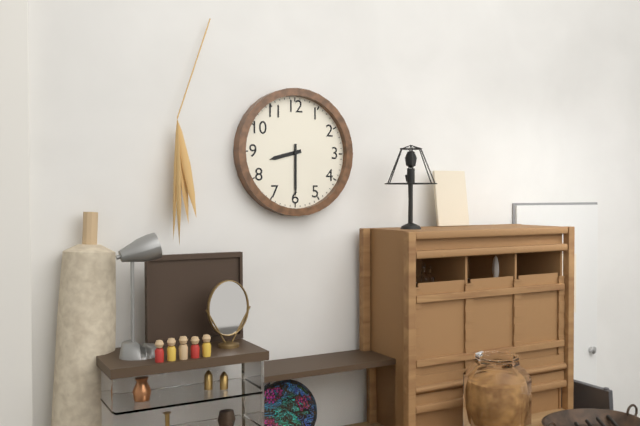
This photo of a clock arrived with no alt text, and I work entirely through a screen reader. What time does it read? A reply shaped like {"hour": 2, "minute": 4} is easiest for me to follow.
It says {"hour": 8, "minute": 30}
